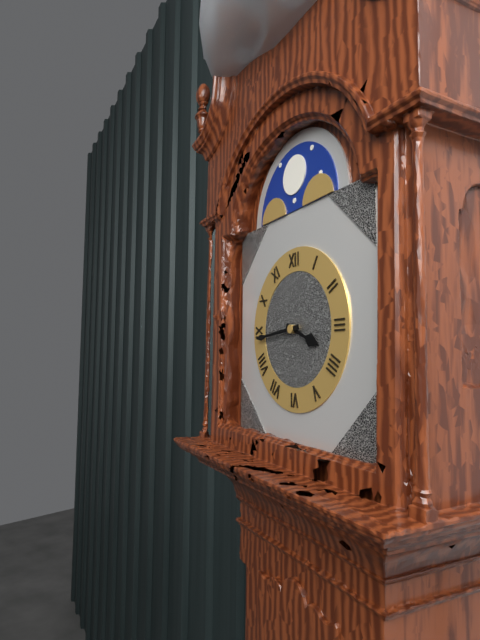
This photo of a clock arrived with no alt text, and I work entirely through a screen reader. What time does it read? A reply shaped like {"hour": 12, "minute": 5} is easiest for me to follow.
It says {"hour": 3, "minute": 44}
